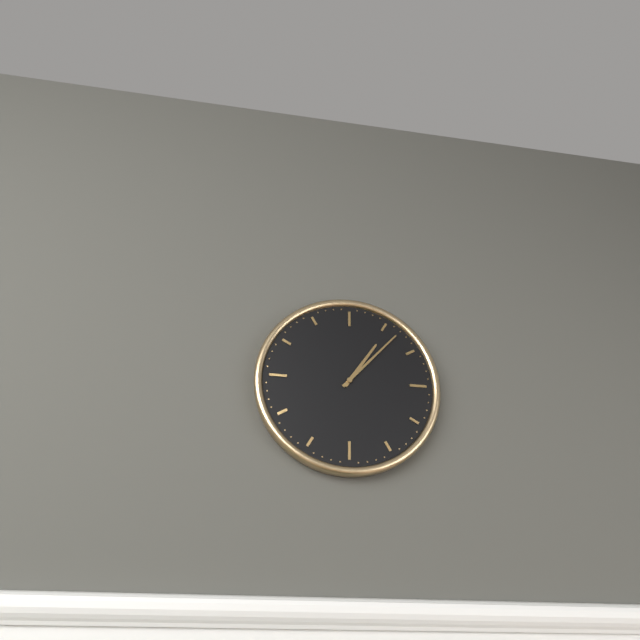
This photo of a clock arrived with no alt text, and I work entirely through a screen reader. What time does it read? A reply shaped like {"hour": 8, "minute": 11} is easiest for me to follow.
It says {"hour": 1, "minute": 7}
